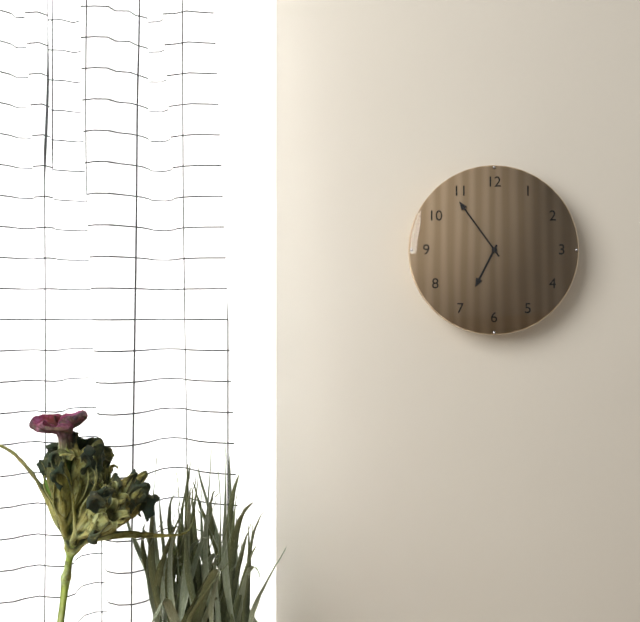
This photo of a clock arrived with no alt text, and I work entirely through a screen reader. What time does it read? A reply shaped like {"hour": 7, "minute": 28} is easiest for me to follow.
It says {"hour": 6, "minute": 54}
